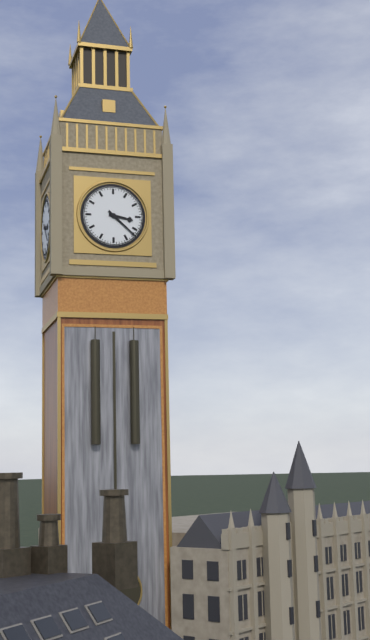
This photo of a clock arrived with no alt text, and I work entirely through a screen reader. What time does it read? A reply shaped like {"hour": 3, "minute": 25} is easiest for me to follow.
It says {"hour": 3, "minute": 22}
